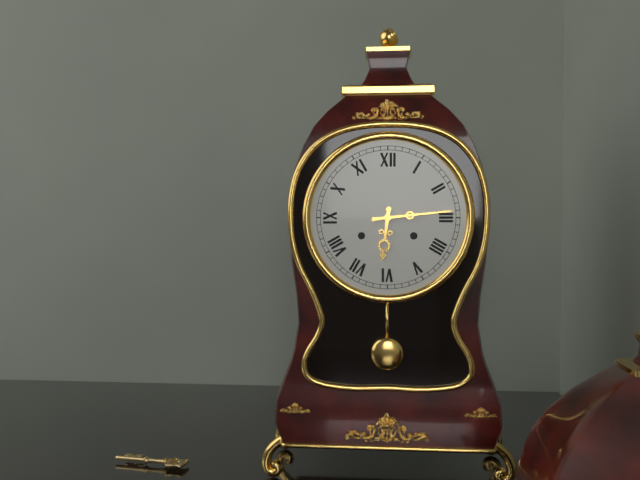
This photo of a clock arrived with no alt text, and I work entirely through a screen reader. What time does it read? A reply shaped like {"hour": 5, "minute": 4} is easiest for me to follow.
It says {"hour": 6, "minute": 14}
